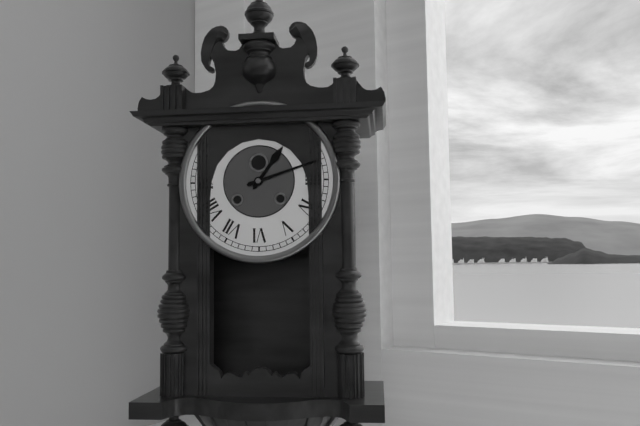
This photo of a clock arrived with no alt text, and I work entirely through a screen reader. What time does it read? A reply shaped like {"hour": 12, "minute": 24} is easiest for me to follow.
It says {"hour": 1, "minute": 12}
